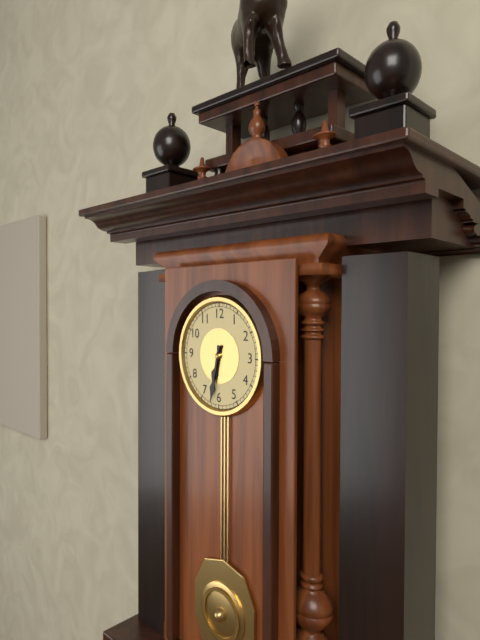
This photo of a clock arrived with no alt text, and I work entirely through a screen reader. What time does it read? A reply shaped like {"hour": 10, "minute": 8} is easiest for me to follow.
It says {"hour": 6, "minute": 32}
